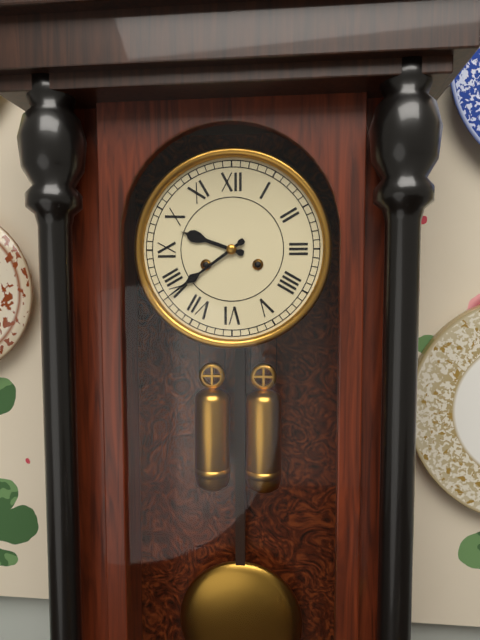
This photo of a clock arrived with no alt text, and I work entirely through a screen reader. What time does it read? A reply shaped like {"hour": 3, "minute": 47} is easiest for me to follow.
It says {"hour": 9, "minute": 39}
